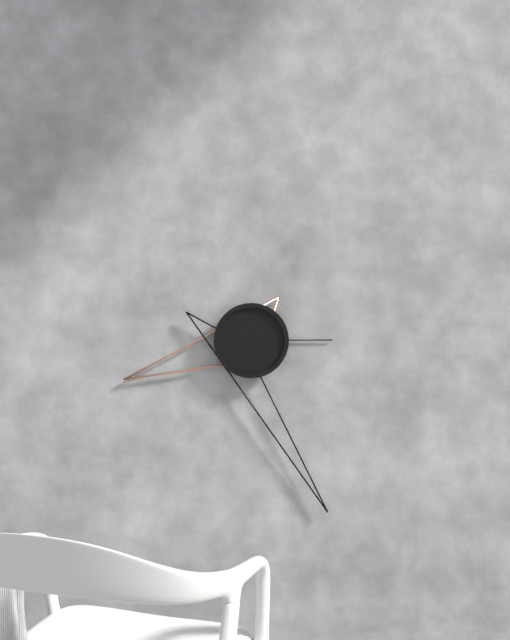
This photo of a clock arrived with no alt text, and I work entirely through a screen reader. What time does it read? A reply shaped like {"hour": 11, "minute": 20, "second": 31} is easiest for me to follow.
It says {"hour": 8, "minute": 26, "second": 15}
